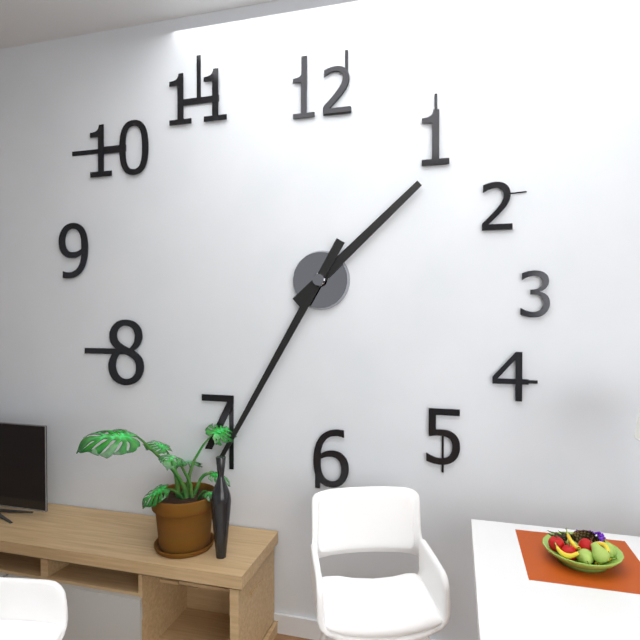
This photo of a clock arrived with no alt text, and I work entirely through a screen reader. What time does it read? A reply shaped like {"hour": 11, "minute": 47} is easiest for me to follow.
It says {"hour": 1, "minute": 35}
